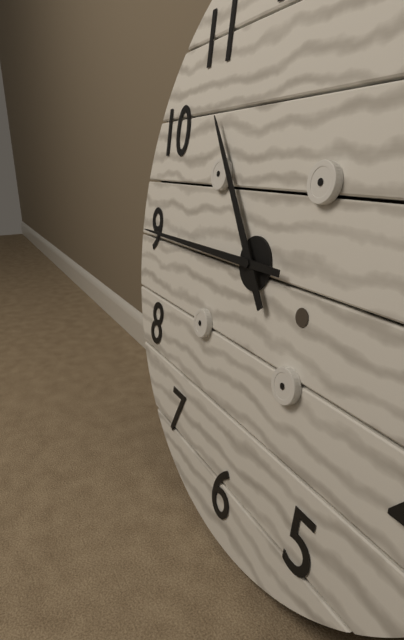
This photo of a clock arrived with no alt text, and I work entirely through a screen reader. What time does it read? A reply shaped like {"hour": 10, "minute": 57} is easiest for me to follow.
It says {"hour": 10, "minute": 45}
